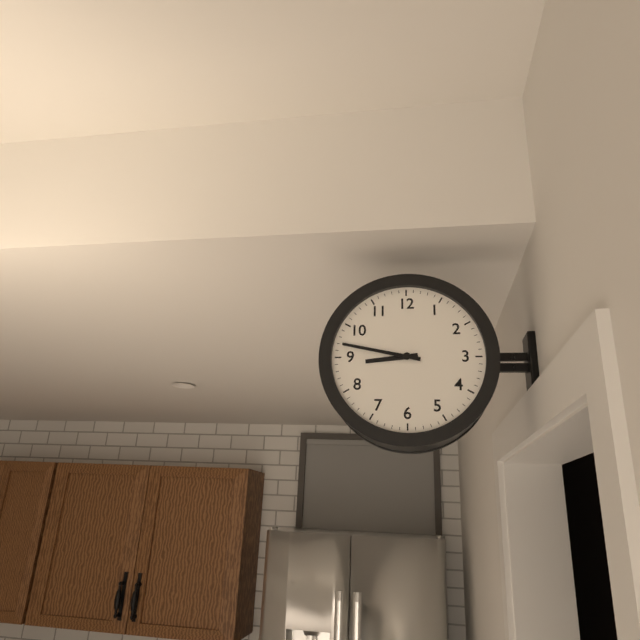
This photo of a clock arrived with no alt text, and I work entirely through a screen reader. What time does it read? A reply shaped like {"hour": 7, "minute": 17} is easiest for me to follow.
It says {"hour": 8, "minute": 47}
